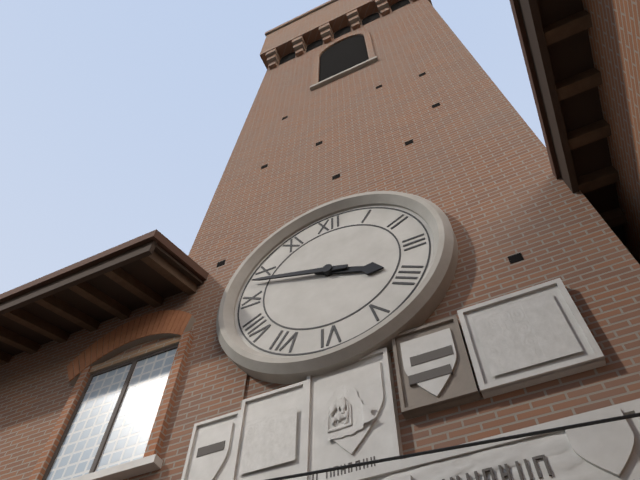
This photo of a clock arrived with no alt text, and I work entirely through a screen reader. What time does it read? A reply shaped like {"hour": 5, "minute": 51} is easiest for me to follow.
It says {"hour": 3, "minute": 48}
